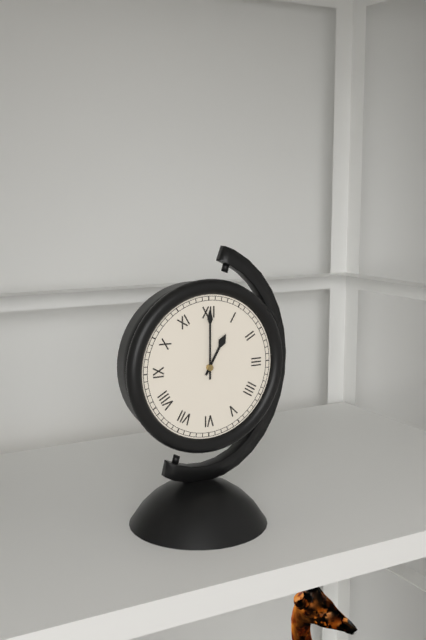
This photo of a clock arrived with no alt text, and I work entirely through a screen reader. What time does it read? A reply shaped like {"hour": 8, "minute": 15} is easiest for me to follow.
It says {"hour": 1, "minute": 0}
